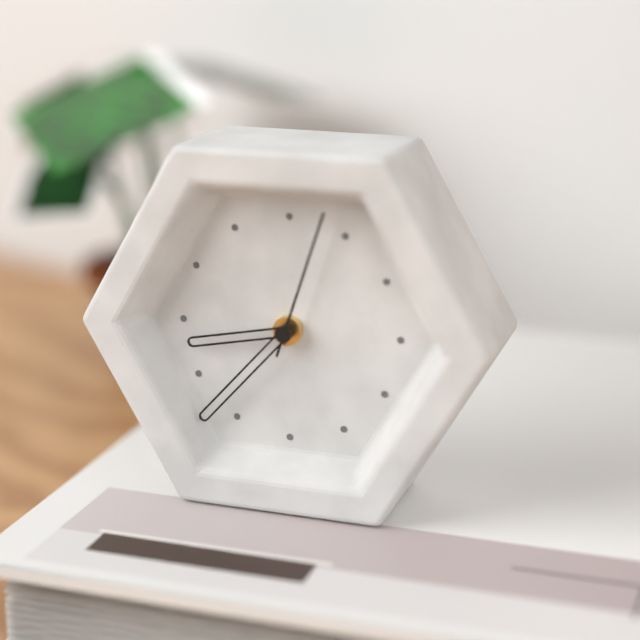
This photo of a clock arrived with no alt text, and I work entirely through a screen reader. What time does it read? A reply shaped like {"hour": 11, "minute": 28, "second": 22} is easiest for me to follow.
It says {"hour": 8, "minute": 37, "second": 3}
